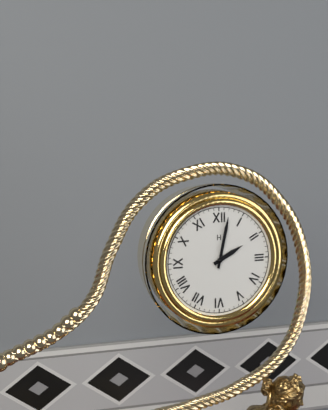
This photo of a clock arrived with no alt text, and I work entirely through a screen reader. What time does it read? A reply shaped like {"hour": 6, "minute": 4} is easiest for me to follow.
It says {"hour": 2, "minute": 2}
